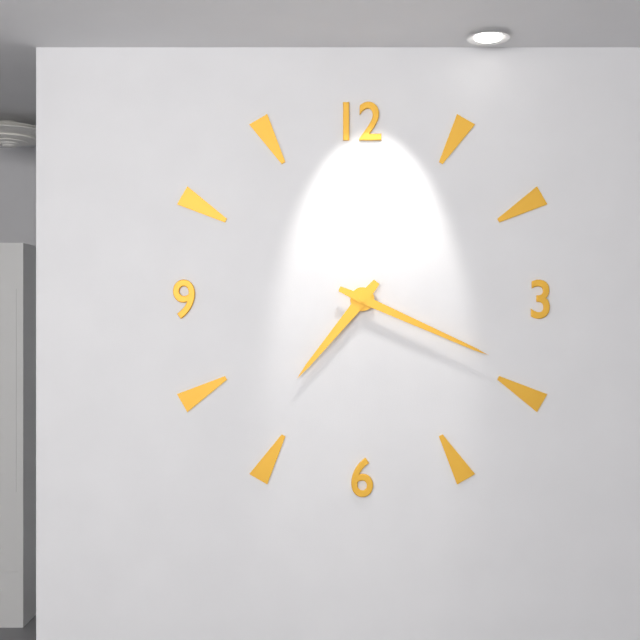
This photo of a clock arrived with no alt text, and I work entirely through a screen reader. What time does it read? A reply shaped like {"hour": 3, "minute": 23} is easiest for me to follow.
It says {"hour": 7, "minute": 19}
